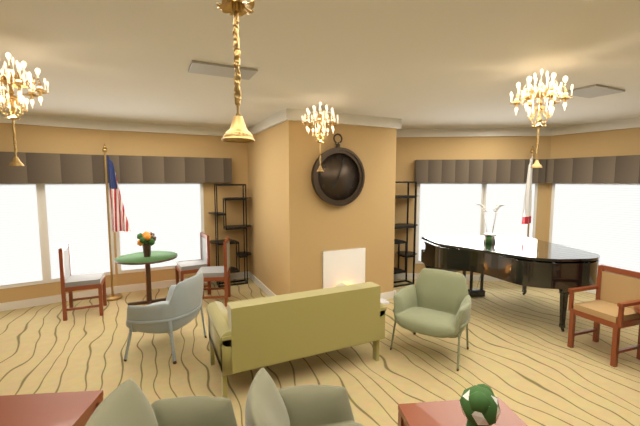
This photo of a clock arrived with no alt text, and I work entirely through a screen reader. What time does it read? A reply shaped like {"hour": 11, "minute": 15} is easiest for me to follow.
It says {"hour": 7, "minute": 3}
